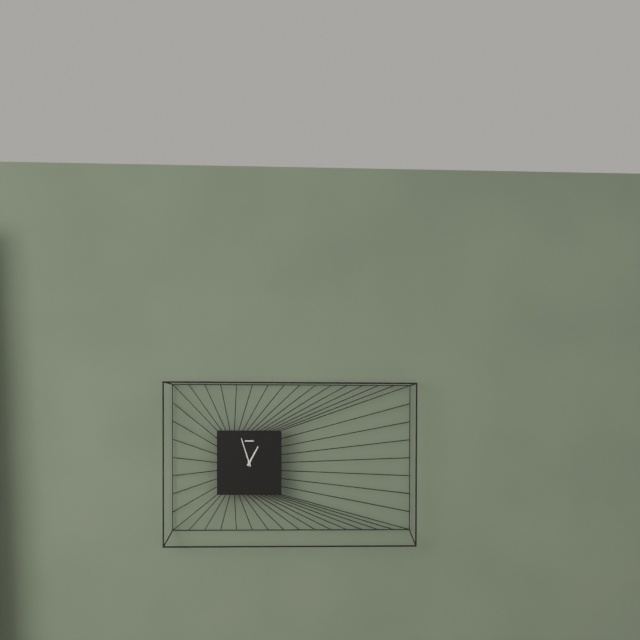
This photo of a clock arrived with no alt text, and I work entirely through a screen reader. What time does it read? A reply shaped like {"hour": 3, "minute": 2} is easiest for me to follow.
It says {"hour": 12, "minute": 57}
